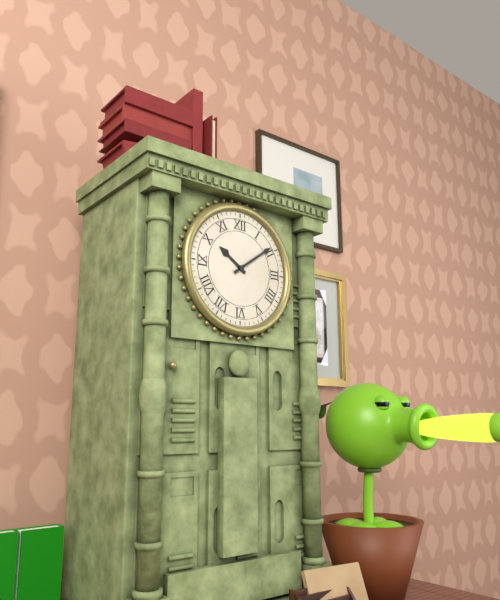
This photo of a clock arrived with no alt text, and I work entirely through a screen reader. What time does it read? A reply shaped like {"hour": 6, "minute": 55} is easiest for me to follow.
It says {"hour": 10, "minute": 9}
